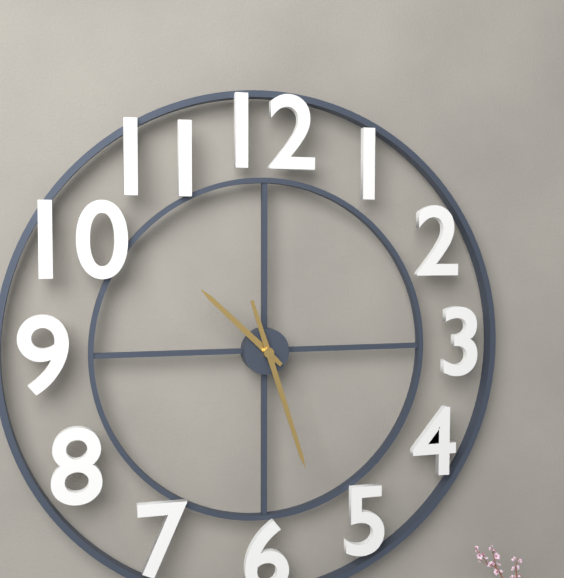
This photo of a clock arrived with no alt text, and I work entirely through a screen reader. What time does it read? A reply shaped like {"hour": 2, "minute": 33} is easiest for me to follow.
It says {"hour": 10, "minute": 27}
